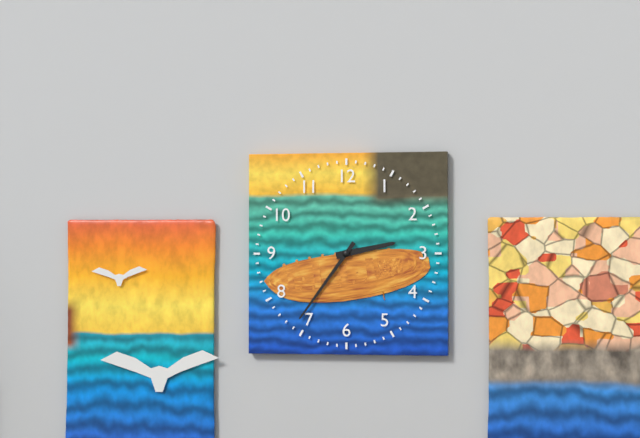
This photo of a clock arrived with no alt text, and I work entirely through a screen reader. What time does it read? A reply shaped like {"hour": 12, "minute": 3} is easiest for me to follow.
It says {"hour": 2, "minute": 36}
